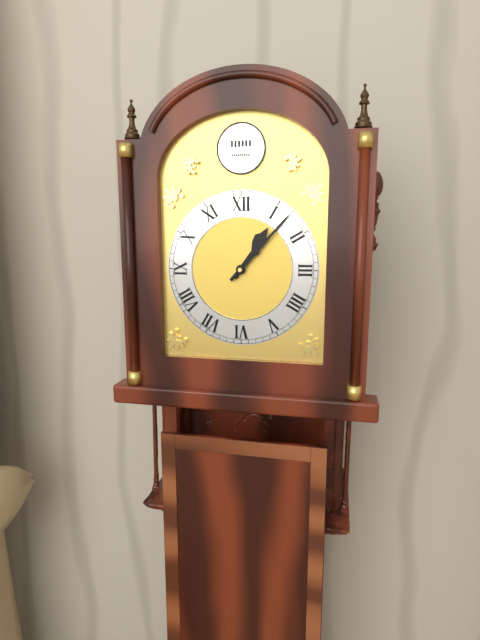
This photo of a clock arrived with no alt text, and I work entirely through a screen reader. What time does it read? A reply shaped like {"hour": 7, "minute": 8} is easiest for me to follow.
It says {"hour": 1, "minute": 7}
